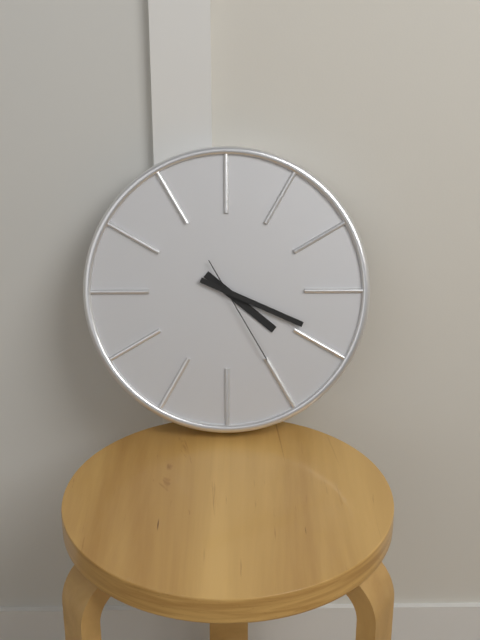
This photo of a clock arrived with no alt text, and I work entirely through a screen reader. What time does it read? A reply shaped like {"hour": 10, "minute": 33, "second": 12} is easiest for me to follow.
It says {"hour": 4, "minute": 19, "second": 25}
